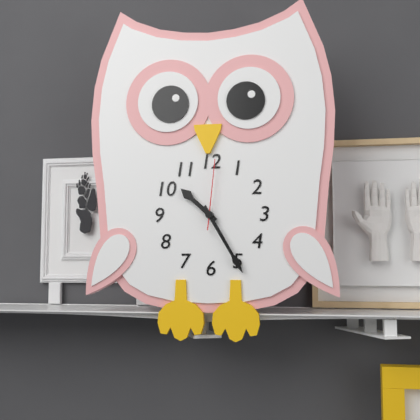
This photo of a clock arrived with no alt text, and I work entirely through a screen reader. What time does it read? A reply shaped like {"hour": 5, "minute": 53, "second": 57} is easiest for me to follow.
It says {"hour": 10, "minute": 25, "second": 1}
